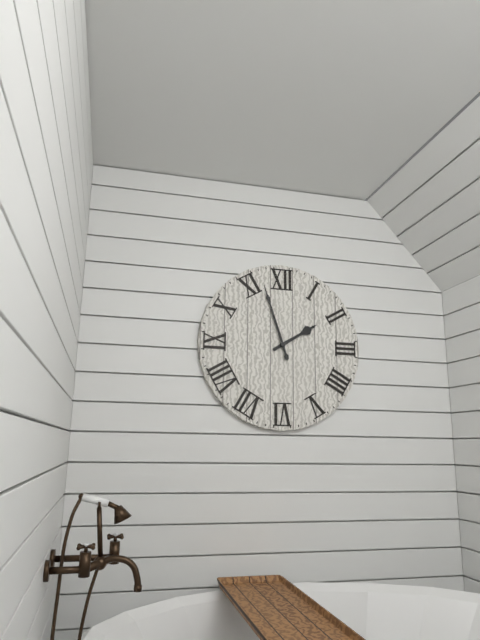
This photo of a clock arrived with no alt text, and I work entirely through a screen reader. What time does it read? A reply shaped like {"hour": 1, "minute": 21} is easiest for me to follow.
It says {"hour": 1, "minute": 57}
